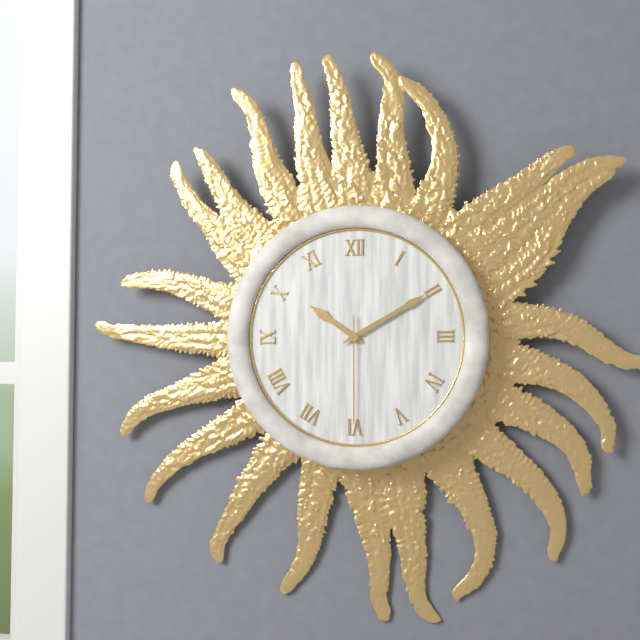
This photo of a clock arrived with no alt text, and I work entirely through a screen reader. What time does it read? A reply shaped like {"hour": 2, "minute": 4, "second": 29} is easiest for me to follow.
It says {"hour": 10, "minute": 10, "second": 30}
